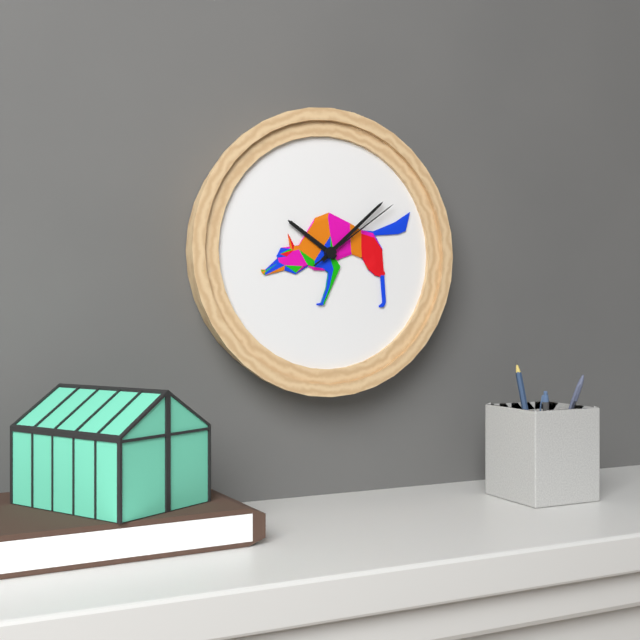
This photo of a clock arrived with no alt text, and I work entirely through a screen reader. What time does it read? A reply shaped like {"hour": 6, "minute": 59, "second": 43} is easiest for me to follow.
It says {"hour": 10, "minute": 8, "second": 9}
